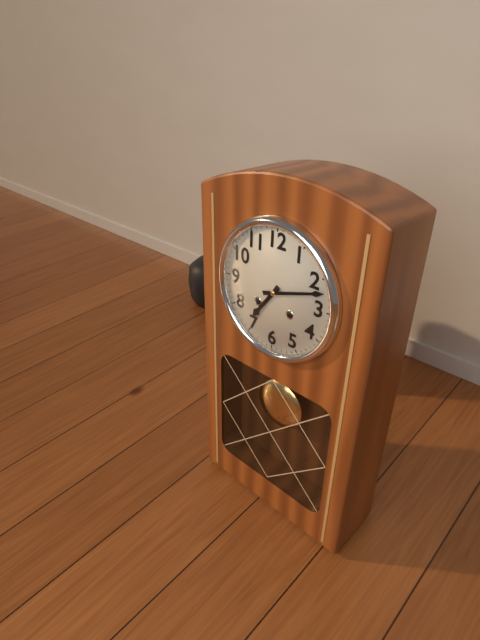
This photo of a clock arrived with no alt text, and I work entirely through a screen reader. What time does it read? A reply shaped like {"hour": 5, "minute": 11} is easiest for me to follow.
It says {"hour": 7, "minute": 12}
